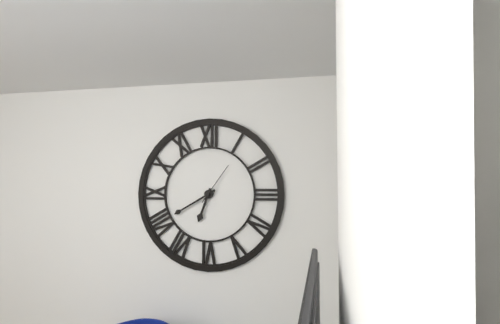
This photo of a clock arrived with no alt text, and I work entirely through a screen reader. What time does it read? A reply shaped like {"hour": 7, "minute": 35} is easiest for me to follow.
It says {"hour": 6, "minute": 40}
